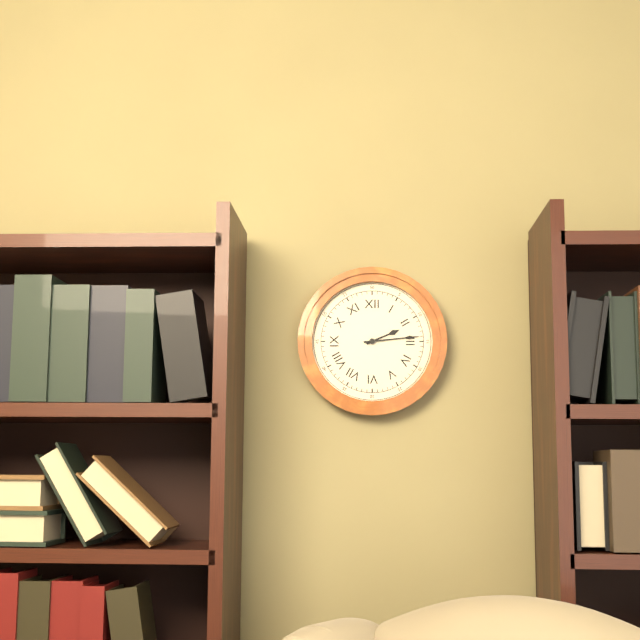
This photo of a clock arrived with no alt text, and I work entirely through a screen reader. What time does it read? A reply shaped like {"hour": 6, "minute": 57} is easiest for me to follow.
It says {"hour": 2, "minute": 14}
